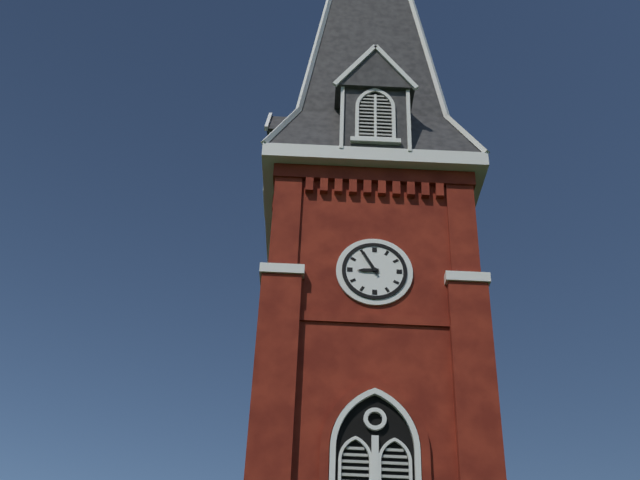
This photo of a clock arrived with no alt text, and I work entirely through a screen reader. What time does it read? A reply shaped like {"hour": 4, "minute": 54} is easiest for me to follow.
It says {"hour": 8, "minute": 55}
